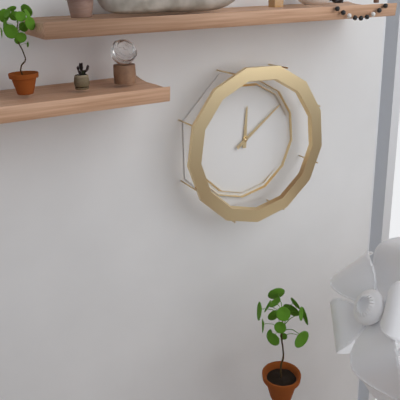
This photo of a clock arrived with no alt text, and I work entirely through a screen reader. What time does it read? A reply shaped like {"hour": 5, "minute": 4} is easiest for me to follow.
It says {"hour": 12, "minute": 9}
